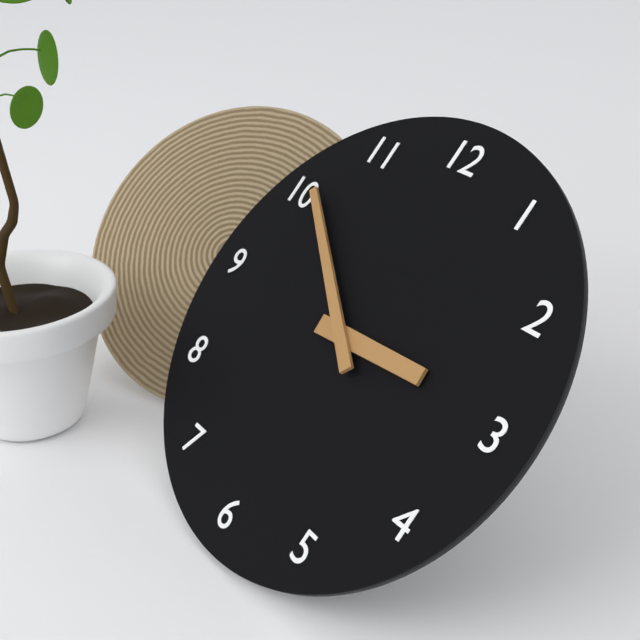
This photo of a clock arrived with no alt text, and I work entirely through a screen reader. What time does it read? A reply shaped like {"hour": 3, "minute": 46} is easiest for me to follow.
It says {"hour": 2, "minute": 51}
